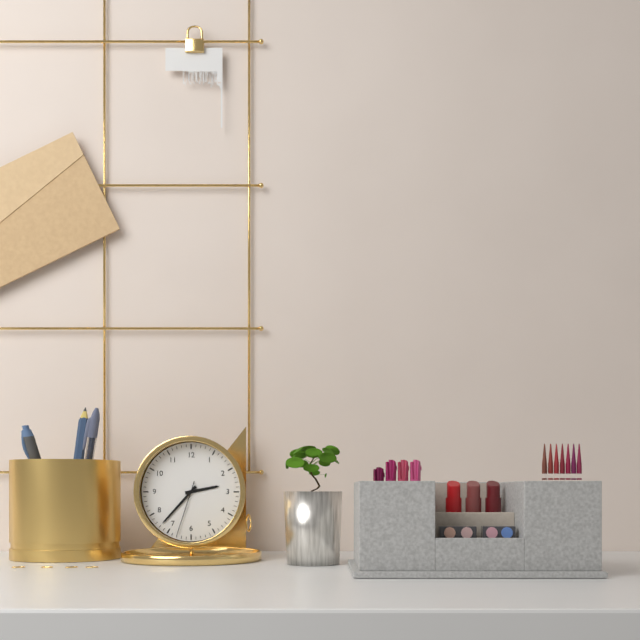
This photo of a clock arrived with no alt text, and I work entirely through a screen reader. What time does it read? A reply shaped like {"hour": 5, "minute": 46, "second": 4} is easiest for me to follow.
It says {"hour": 2, "minute": 37, "second": 33}
